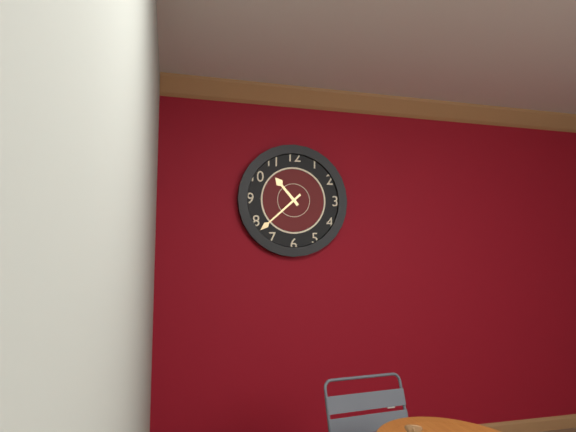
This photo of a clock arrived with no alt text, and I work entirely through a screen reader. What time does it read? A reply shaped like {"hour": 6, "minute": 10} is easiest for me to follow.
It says {"hour": 10, "minute": 38}
